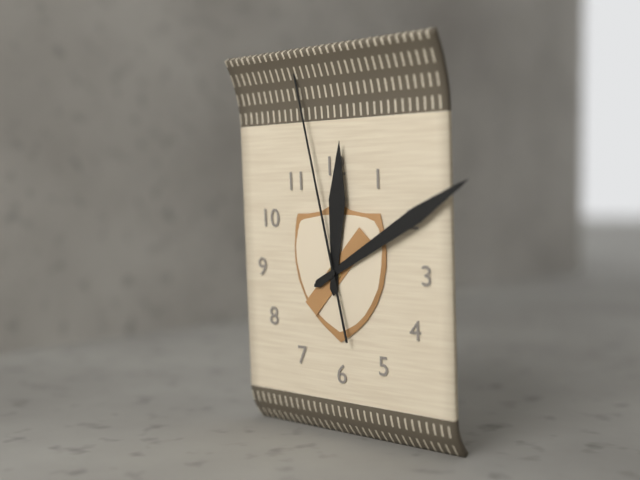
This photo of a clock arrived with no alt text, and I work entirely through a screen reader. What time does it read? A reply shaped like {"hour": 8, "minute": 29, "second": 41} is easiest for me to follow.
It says {"hour": 12, "minute": 10, "second": 58}
